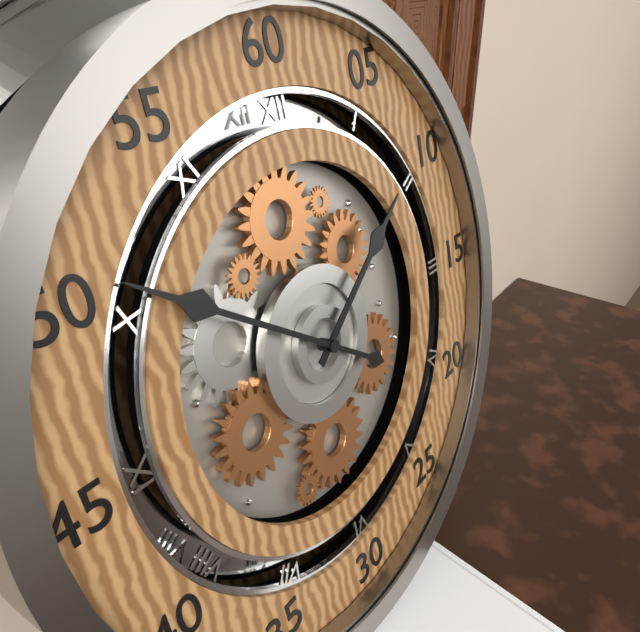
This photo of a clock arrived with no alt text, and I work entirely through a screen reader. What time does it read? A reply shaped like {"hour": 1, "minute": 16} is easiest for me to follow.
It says {"hour": 1, "minute": 51}
